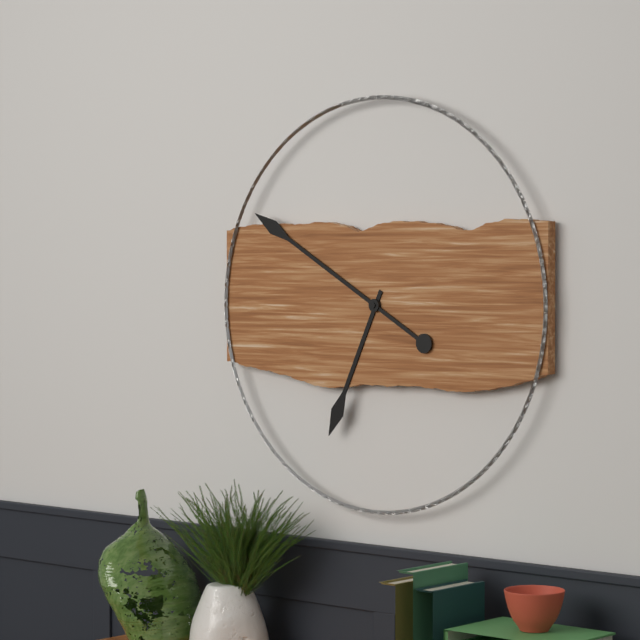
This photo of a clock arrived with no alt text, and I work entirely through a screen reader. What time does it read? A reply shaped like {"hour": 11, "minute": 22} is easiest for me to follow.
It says {"hour": 6, "minute": 50}
